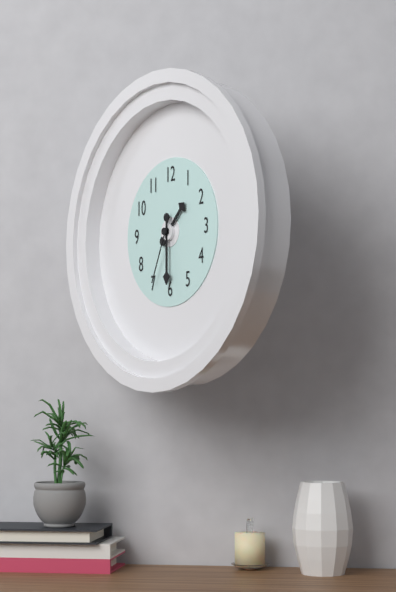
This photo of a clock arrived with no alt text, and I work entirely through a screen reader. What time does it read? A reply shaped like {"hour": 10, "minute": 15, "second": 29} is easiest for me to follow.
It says {"hour": 1, "minute": 30, "second": 34}
